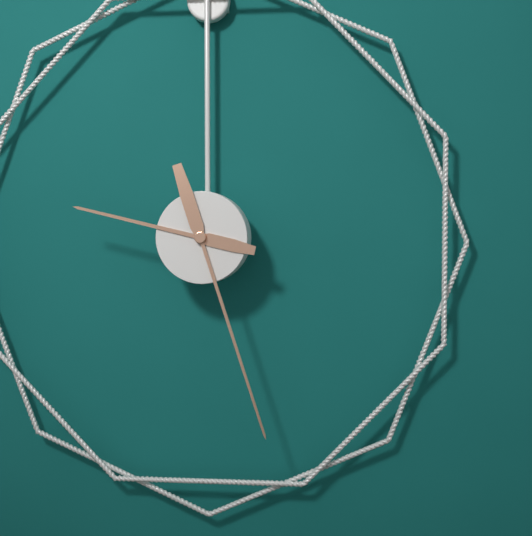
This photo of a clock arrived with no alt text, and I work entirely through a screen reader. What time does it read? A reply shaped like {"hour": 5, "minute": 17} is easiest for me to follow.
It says {"hour": 9, "minute": 27}
